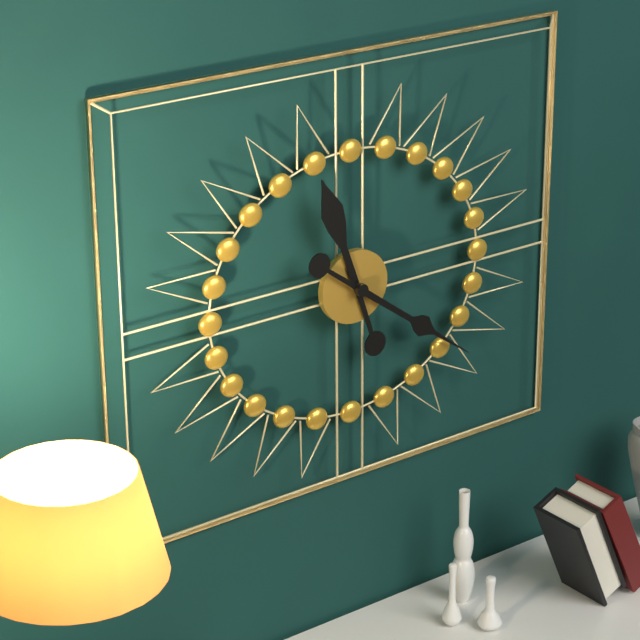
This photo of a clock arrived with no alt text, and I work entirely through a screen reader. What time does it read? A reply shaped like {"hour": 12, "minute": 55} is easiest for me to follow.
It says {"hour": 11, "minute": 21}
